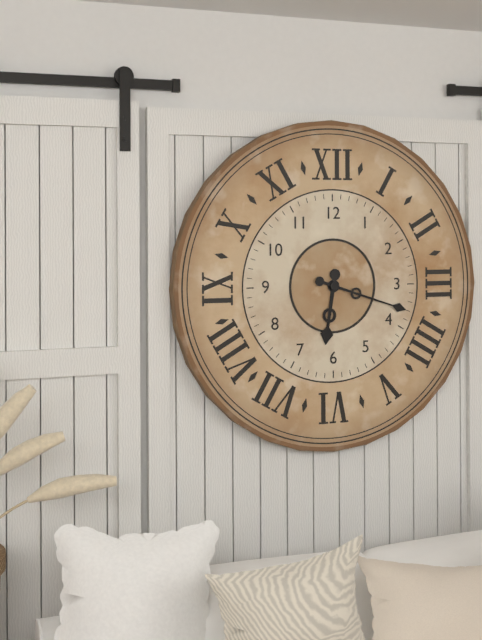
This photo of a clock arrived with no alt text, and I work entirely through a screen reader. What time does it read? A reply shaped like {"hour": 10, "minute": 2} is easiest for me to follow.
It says {"hour": 6, "minute": 18}
